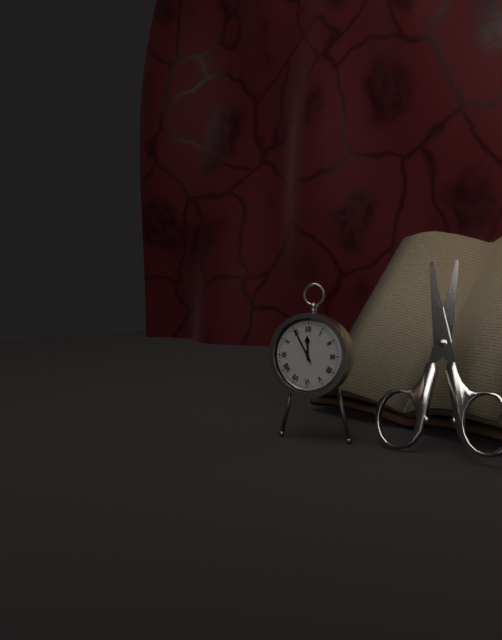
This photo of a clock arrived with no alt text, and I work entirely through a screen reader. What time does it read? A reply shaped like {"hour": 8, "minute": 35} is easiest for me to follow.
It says {"hour": 11, "minute": 55}
